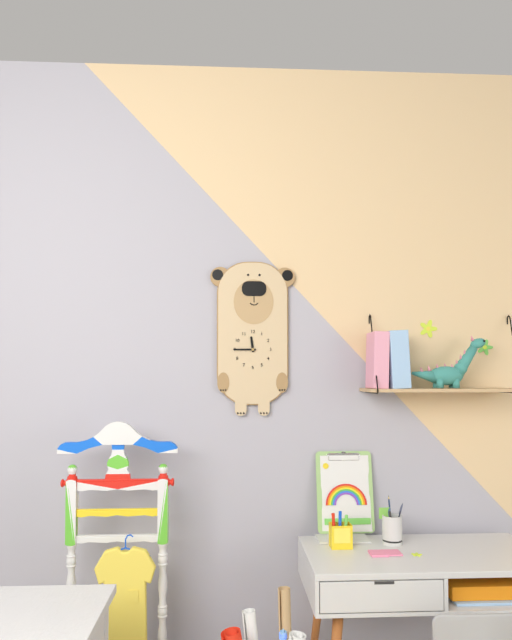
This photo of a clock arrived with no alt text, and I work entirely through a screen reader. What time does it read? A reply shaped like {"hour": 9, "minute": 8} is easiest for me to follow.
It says {"hour": 11, "minute": 45}
